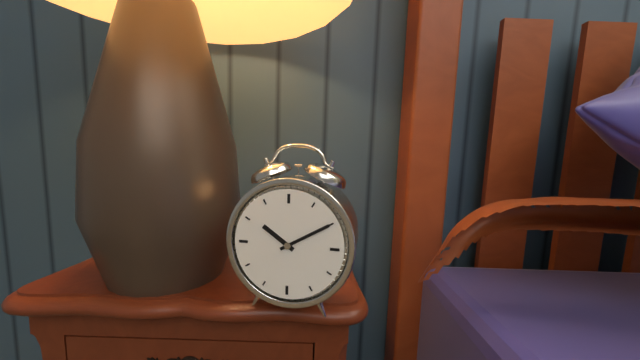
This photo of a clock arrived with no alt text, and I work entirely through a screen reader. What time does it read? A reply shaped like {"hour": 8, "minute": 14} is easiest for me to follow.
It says {"hour": 10, "minute": 10}
